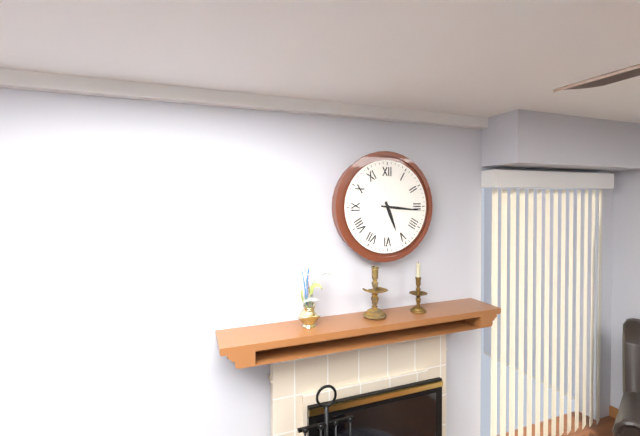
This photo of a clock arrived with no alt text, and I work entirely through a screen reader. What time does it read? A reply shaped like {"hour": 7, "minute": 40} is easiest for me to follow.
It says {"hour": 5, "minute": 16}
